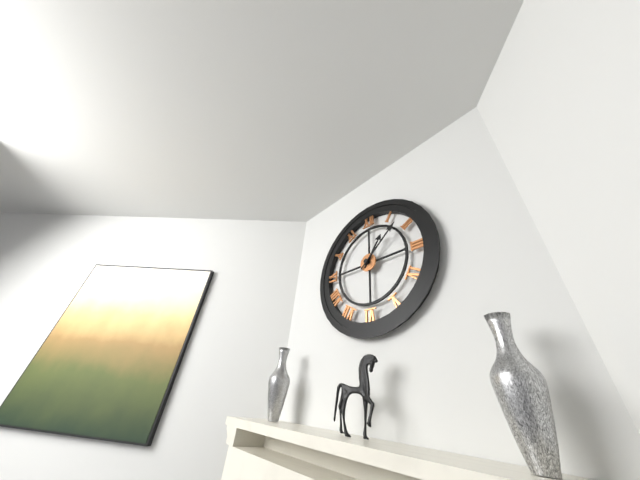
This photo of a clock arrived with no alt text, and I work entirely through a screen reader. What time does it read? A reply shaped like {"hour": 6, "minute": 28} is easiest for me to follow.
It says {"hour": 1, "minute": 8}
